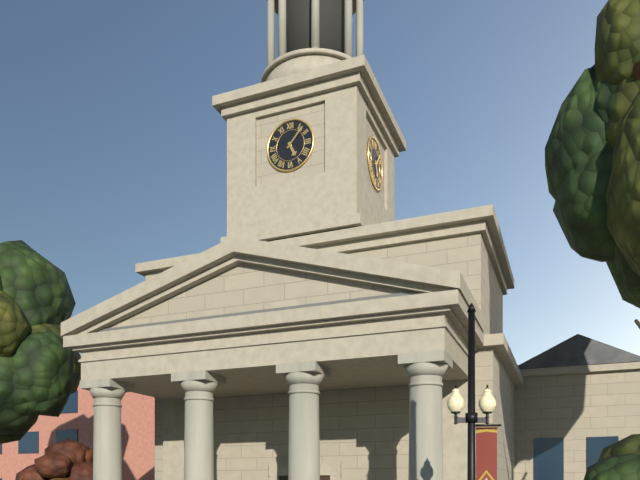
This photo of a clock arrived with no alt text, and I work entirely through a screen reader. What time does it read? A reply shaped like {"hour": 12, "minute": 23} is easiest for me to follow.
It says {"hour": 5, "minute": 7}
